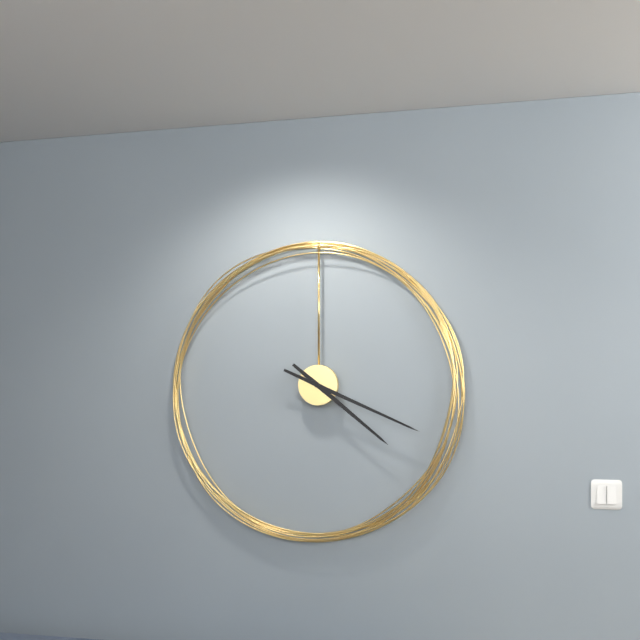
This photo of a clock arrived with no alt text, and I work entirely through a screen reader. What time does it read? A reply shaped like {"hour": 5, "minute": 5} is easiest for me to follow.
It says {"hour": 4, "minute": 19}
